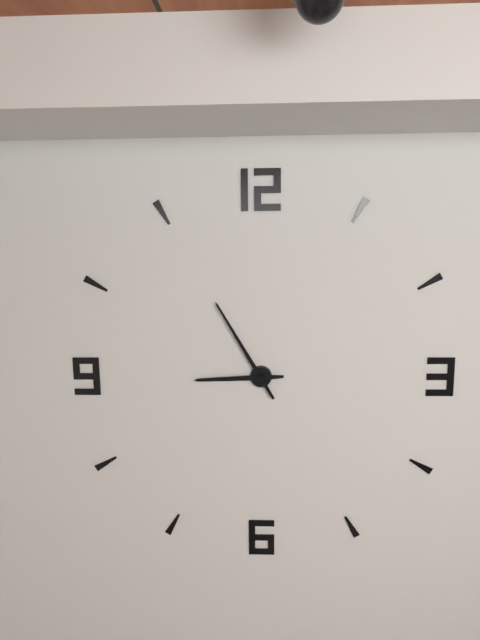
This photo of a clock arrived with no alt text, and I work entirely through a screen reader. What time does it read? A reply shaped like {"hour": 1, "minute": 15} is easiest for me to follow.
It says {"hour": 8, "minute": 55}
